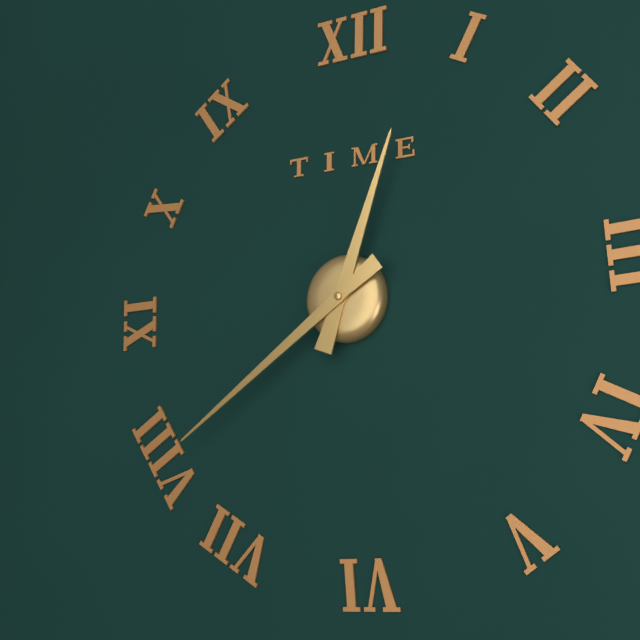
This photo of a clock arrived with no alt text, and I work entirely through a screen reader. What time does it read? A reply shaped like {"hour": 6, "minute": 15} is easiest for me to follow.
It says {"hour": 12, "minute": 39}
